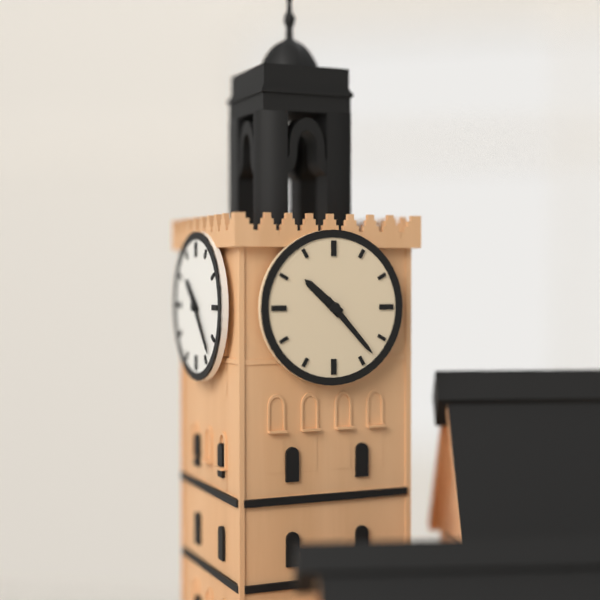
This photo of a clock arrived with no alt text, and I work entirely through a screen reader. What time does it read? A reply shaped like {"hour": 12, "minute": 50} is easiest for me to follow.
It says {"hour": 10, "minute": 23}
